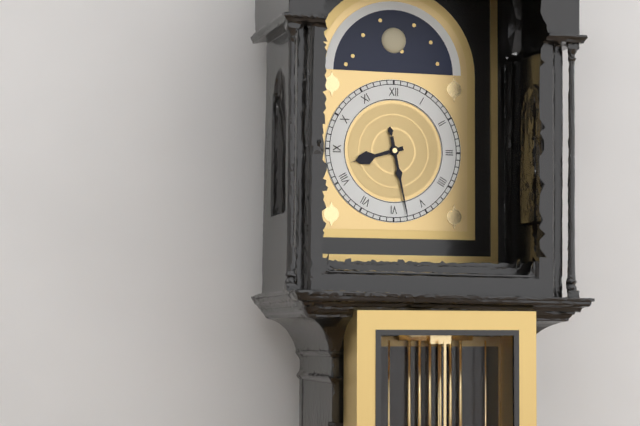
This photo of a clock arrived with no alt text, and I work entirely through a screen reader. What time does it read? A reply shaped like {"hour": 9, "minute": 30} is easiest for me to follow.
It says {"hour": 8, "minute": 28}
